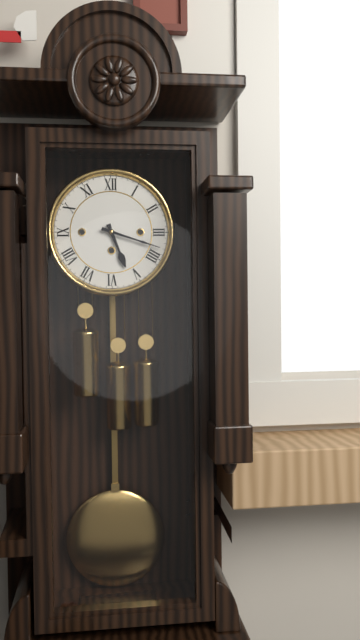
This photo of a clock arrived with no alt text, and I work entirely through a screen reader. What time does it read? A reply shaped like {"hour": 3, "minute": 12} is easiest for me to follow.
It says {"hour": 5, "minute": 18}
